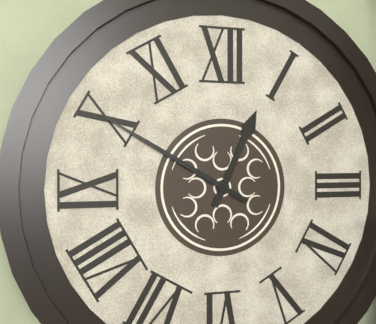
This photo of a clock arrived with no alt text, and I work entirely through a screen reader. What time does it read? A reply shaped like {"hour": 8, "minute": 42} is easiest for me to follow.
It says {"hour": 12, "minute": 50}
